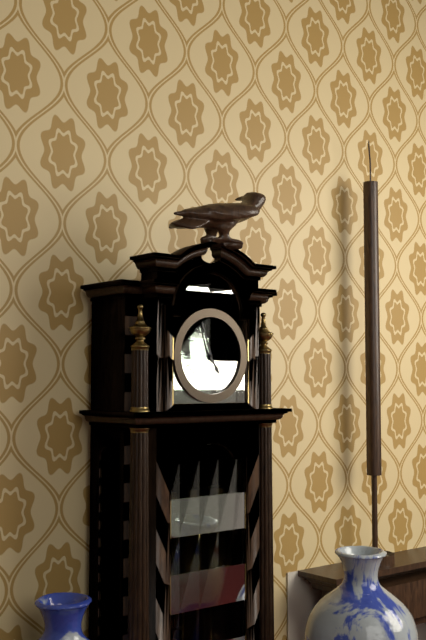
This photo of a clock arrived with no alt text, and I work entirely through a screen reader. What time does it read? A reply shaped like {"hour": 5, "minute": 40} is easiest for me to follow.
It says {"hour": 4, "minute": 57}
